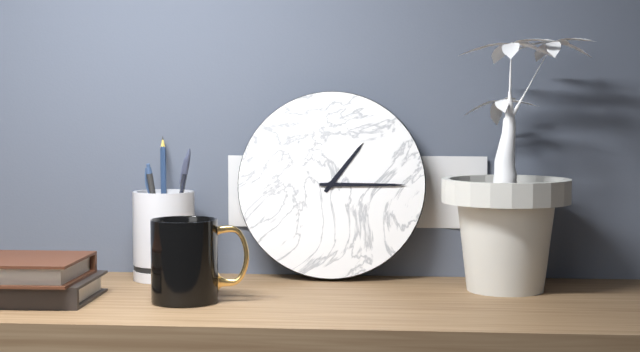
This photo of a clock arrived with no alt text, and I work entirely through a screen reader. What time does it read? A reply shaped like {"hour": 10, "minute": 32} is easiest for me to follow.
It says {"hour": 1, "minute": 15}
